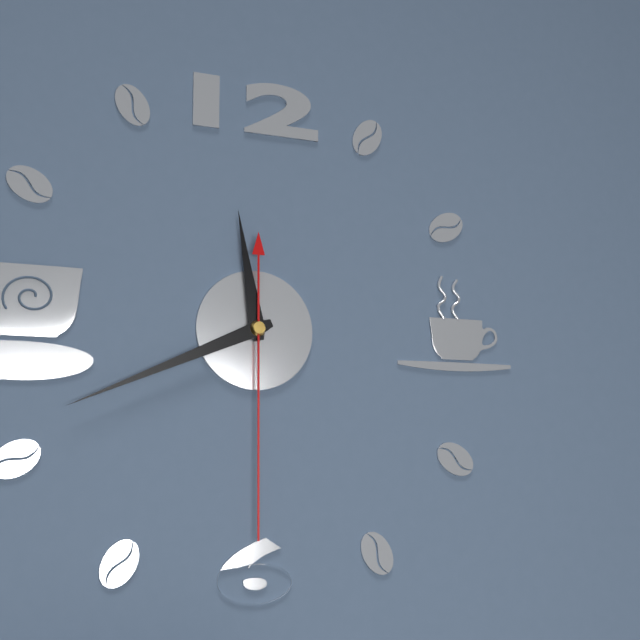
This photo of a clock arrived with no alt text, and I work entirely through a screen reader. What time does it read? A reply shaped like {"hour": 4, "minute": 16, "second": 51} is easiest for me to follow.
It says {"hour": 11, "minute": 41, "second": 30}
